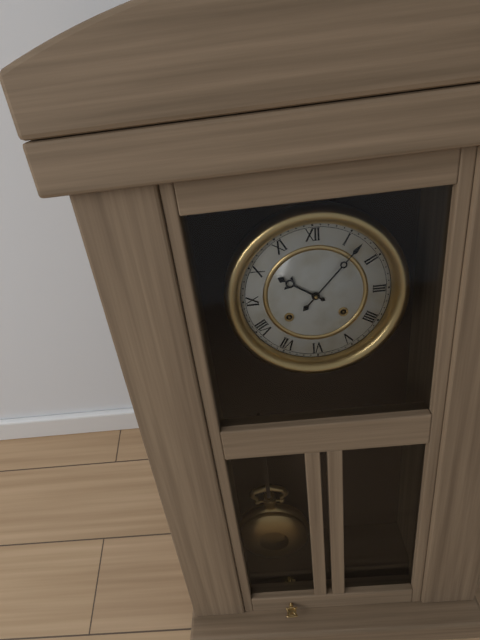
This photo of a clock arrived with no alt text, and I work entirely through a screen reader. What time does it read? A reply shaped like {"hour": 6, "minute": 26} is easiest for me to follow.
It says {"hour": 10, "minute": 7}
